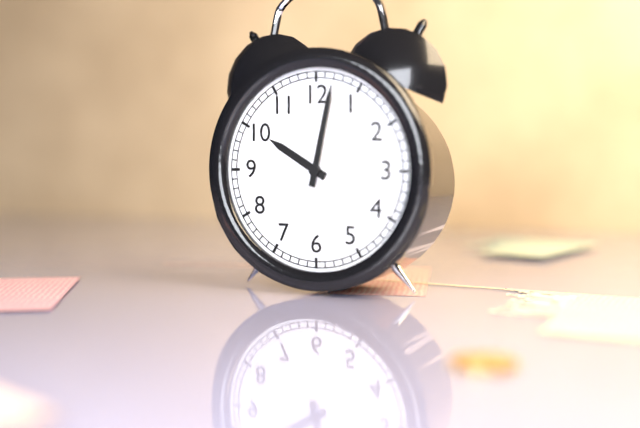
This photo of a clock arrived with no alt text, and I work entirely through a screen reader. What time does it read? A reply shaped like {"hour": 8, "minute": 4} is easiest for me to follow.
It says {"hour": 10, "minute": 2}
